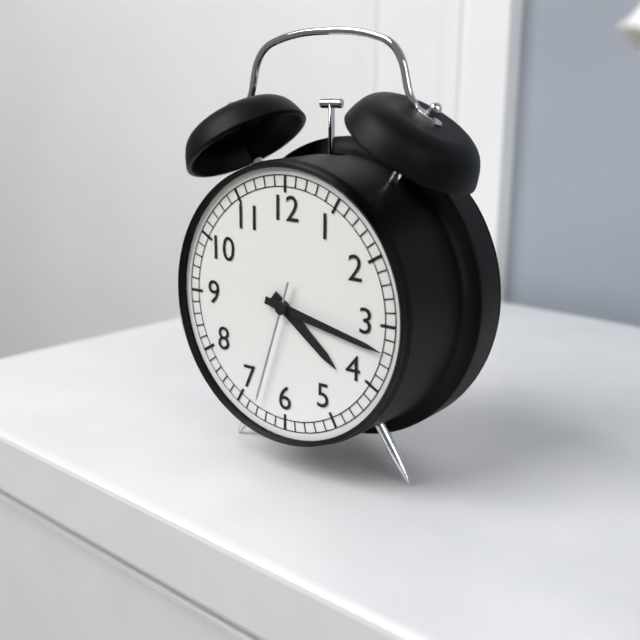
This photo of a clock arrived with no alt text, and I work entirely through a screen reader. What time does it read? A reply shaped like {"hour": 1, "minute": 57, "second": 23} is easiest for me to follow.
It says {"hour": 4, "minute": 17, "second": 33}
